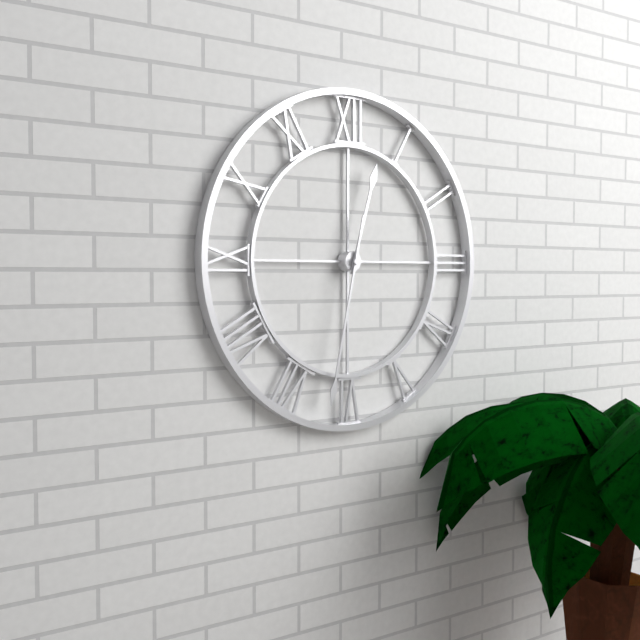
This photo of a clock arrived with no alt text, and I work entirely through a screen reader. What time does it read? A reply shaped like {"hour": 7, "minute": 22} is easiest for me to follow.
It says {"hour": 12, "minute": 32}
